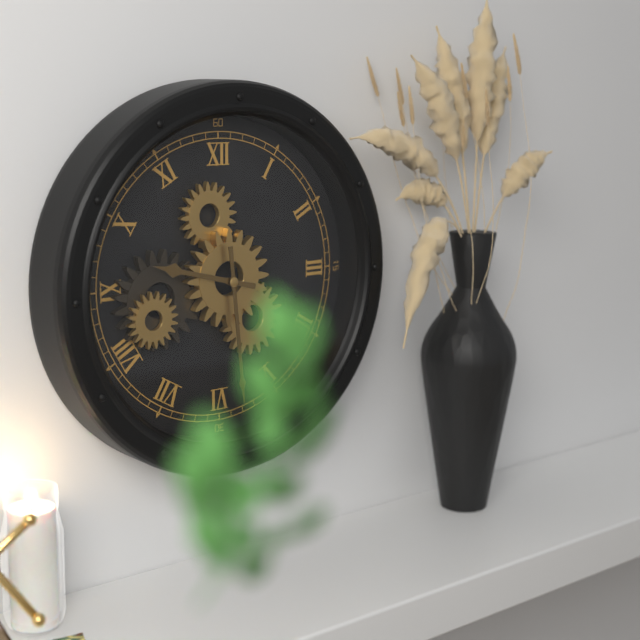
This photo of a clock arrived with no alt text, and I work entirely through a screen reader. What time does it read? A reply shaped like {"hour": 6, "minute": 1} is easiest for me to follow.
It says {"hour": 9, "minute": 29}
